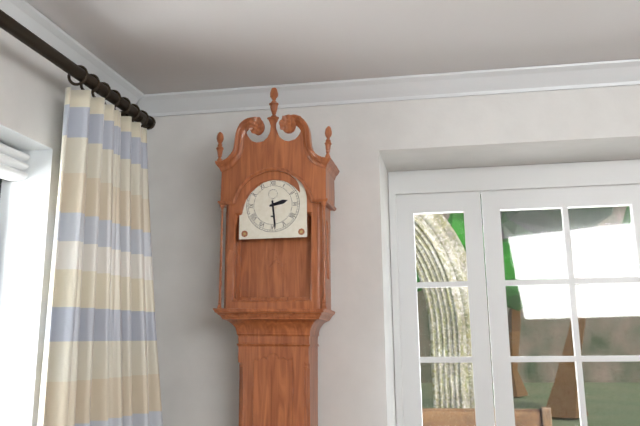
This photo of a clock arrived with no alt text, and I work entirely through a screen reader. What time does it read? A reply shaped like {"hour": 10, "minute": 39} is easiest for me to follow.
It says {"hour": 2, "minute": 29}
